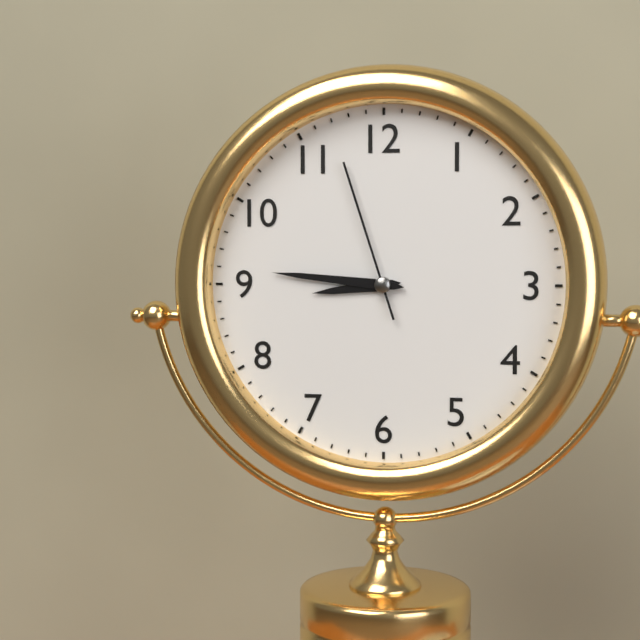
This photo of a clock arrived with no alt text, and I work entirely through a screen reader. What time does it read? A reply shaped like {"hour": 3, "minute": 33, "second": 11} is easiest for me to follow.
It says {"hour": 8, "minute": 46, "second": 57}
